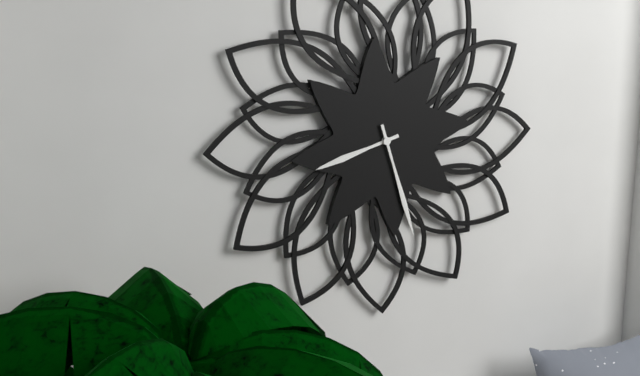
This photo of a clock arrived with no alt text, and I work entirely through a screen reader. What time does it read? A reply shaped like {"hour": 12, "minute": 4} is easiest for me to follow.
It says {"hour": 8, "minute": 27}
